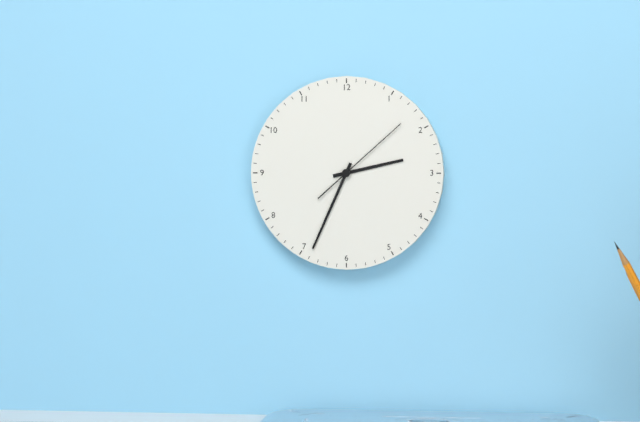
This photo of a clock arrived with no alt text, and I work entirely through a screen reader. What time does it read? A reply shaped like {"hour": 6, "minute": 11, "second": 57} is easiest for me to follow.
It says {"hour": 2, "minute": 34, "second": 8}
